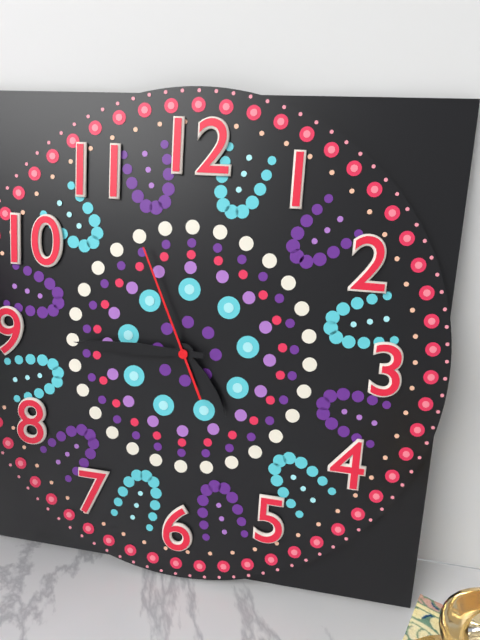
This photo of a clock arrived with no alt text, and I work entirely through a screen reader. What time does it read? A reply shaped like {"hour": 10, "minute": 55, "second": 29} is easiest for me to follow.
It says {"hour": 4, "minute": 45, "second": 56}
